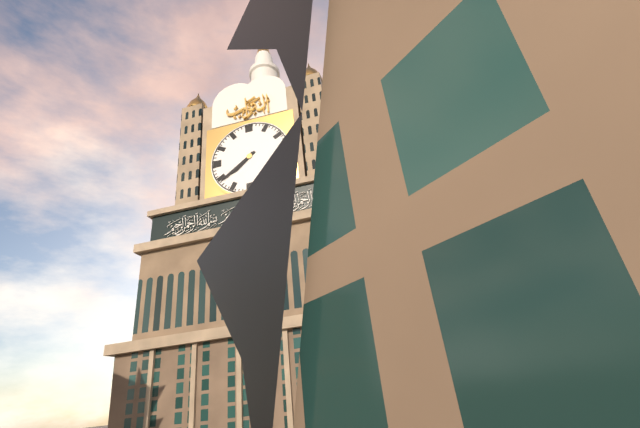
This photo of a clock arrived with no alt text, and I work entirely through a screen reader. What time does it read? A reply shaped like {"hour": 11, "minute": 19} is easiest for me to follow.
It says {"hour": 7, "minute": 39}
